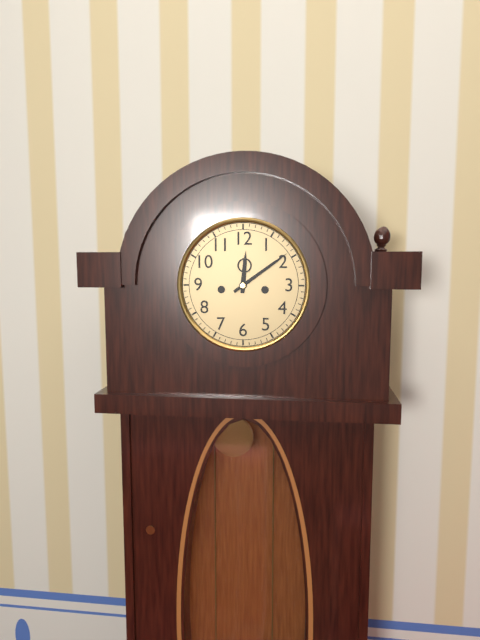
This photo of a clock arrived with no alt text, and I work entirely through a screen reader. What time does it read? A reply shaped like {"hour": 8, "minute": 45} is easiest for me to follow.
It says {"hour": 12, "minute": 9}
